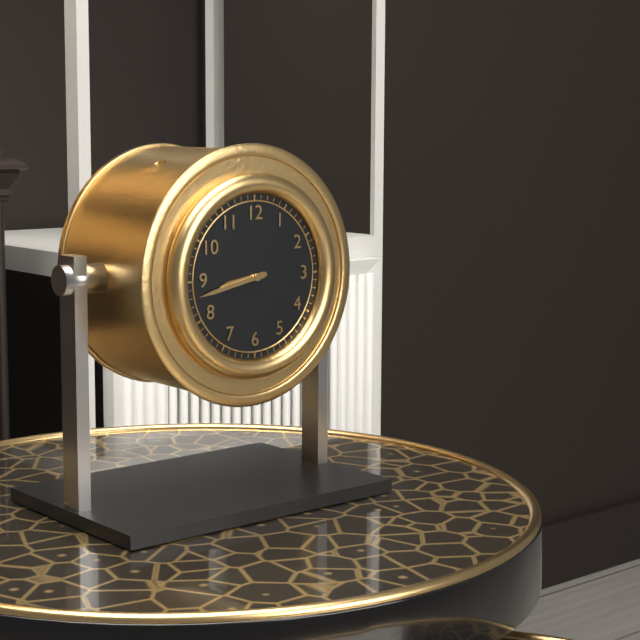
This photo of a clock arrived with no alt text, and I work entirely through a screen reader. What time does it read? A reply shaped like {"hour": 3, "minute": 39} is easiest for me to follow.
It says {"hour": 8, "minute": 43}
